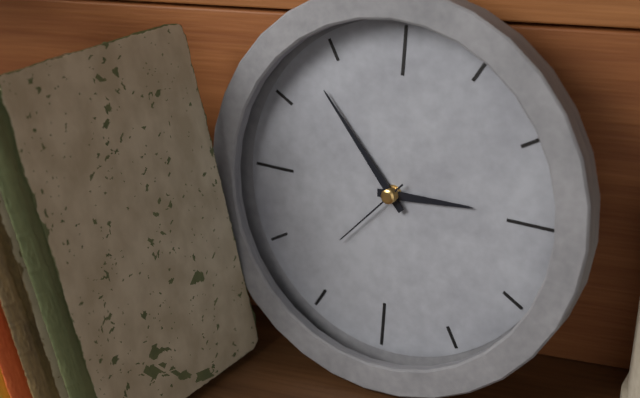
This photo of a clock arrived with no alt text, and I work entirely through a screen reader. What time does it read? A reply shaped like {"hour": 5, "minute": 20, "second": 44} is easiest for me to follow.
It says {"hour": 2, "minute": 53, "second": 37}
